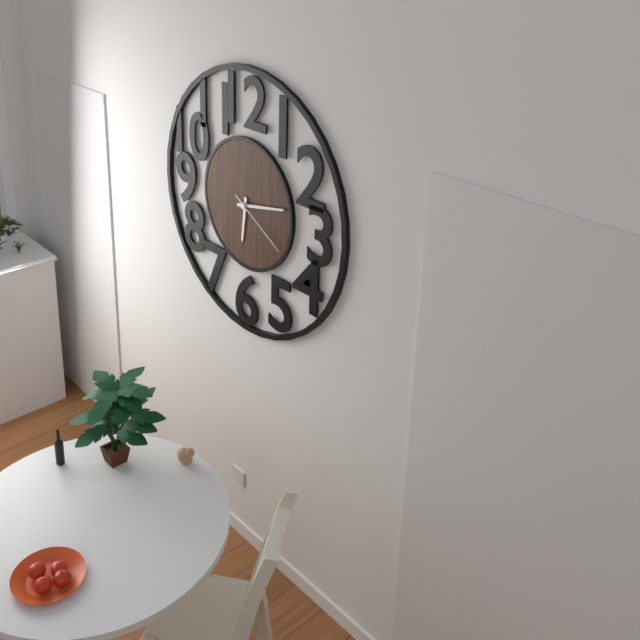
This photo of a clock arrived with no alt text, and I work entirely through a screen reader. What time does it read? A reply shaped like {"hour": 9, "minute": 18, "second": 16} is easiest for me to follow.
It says {"hour": 6, "minute": 13, "second": 20}
